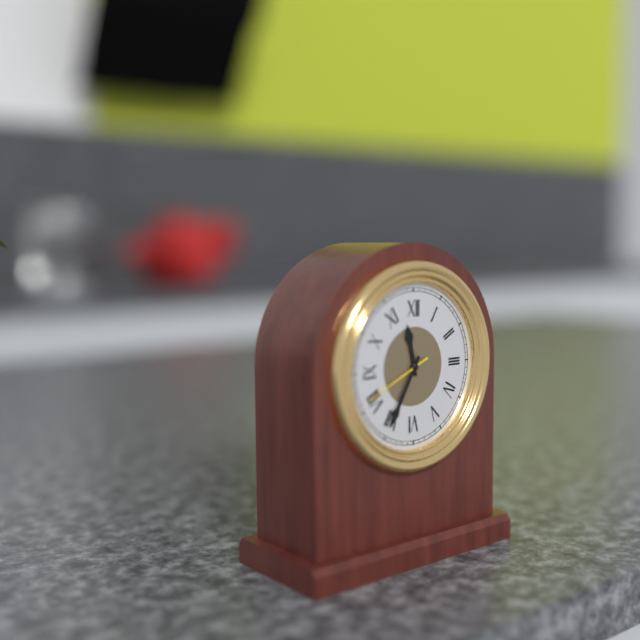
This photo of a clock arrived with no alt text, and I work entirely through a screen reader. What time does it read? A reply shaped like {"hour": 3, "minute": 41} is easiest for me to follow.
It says {"hour": 11, "minute": 35}
